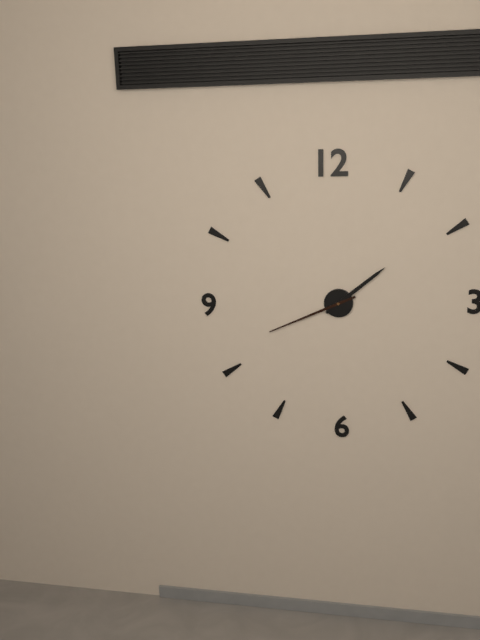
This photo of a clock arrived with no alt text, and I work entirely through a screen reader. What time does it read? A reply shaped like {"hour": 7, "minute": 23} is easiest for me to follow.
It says {"hour": 1, "minute": 41}
